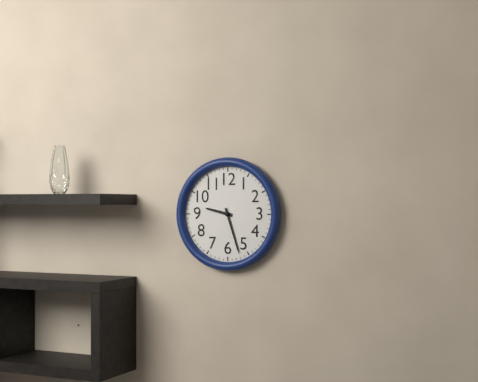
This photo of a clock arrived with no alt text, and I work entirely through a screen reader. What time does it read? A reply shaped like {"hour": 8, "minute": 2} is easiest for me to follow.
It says {"hour": 9, "minute": 27}
